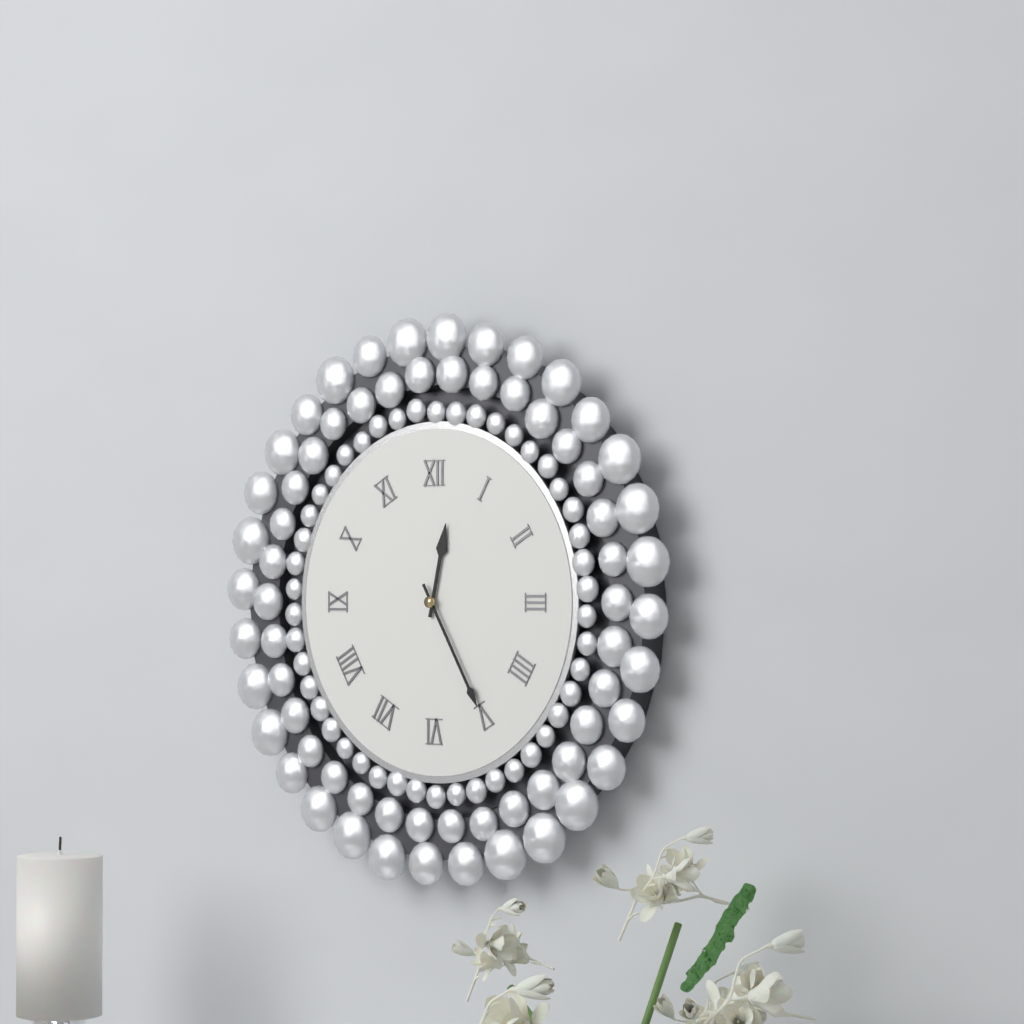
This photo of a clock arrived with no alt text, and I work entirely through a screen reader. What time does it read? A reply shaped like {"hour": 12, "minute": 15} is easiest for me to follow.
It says {"hour": 12, "minute": 25}
